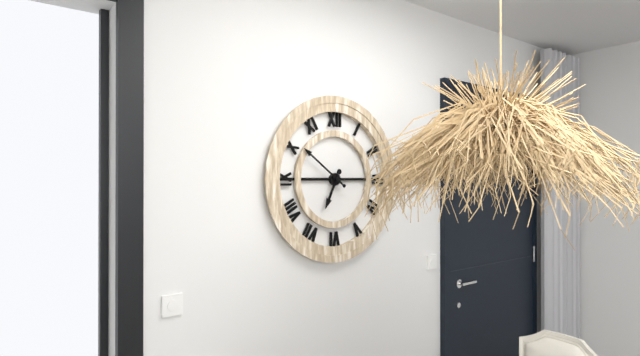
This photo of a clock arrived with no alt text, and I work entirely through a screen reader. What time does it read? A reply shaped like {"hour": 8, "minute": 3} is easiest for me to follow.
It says {"hour": 6, "minute": 51}
